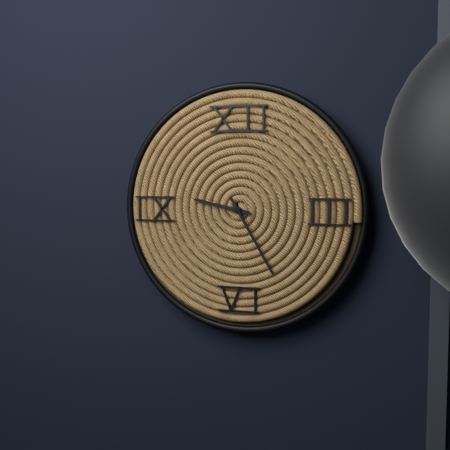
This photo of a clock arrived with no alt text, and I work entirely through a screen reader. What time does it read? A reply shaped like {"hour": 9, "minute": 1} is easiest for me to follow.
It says {"hour": 9, "minute": 25}
